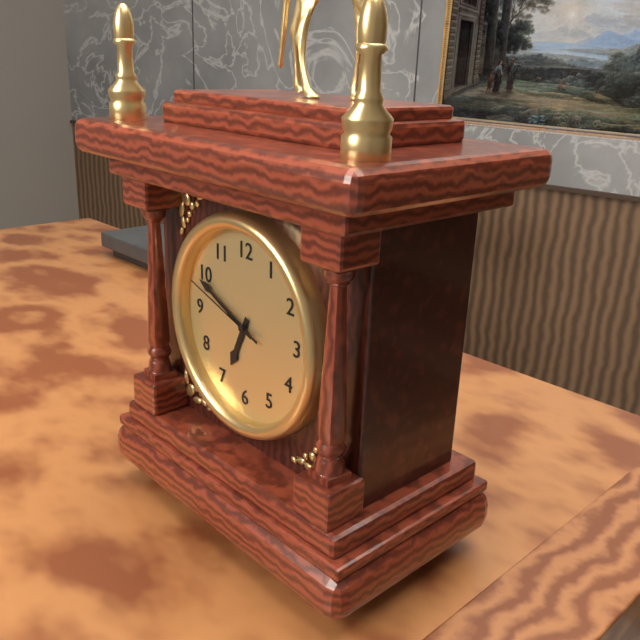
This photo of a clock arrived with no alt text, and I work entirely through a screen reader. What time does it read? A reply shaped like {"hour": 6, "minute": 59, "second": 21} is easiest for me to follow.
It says {"hour": 6, "minute": 49, "second": 48}
